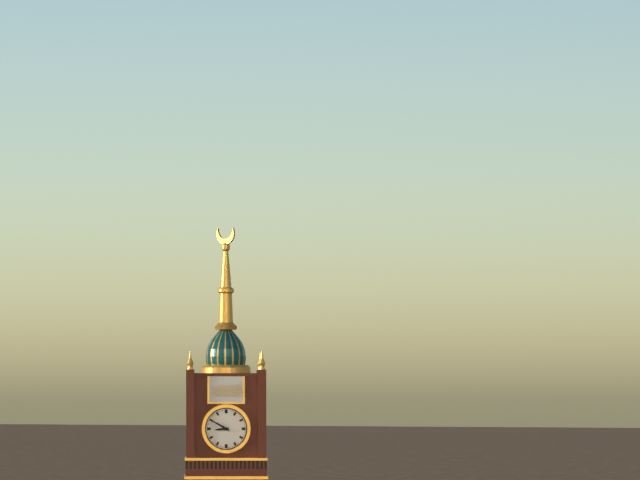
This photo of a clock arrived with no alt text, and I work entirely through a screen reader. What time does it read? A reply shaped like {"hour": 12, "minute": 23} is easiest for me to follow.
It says {"hour": 8, "minute": 50}
